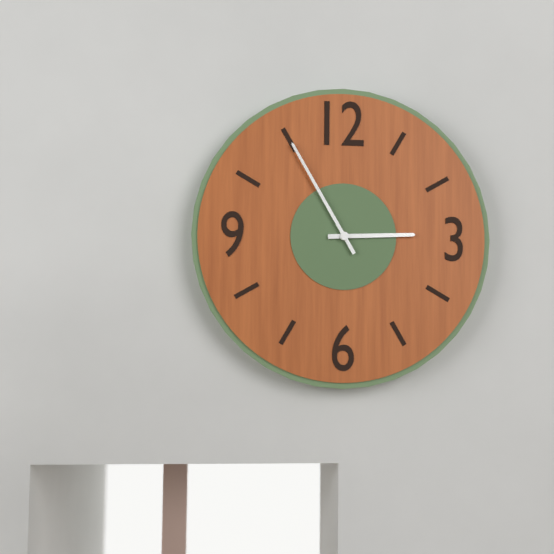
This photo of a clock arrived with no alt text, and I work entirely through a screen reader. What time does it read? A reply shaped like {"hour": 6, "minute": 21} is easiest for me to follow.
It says {"hour": 2, "minute": 55}
